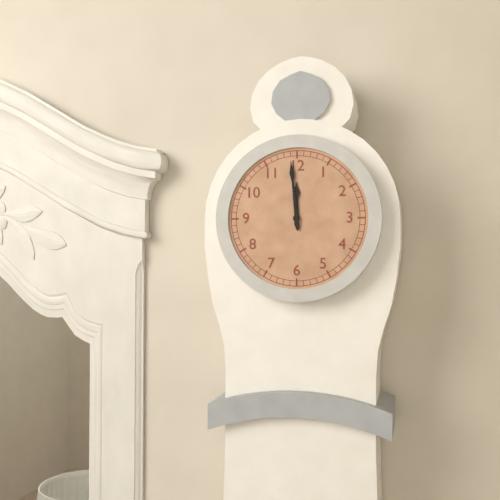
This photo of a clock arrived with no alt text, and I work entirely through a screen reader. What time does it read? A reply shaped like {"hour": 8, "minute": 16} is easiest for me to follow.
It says {"hour": 11, "minute": 59}
